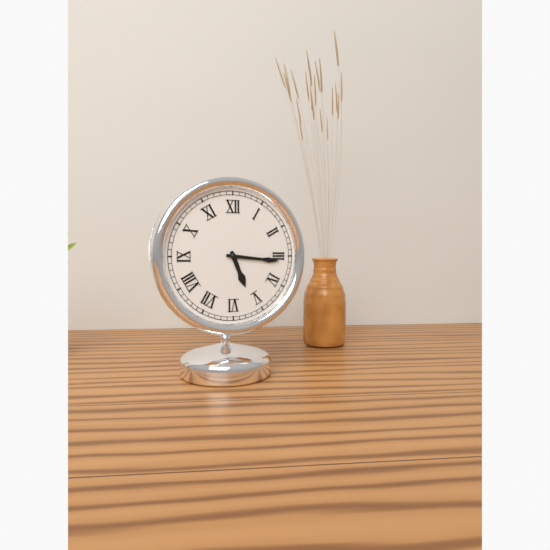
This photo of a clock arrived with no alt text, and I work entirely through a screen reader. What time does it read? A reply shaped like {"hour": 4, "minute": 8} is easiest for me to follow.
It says {"hour": 5, "minute": 16}
